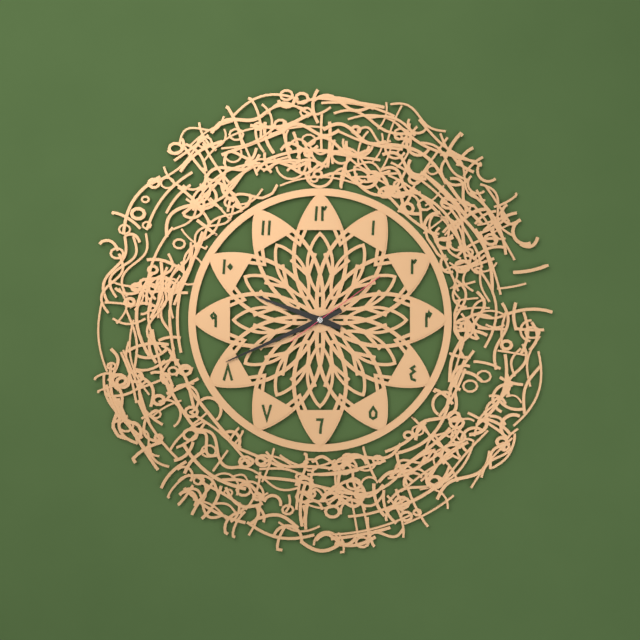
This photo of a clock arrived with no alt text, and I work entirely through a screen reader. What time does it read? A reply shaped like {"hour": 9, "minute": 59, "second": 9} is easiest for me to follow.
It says {"hour": 9, "minute": 41, "second": 9}
